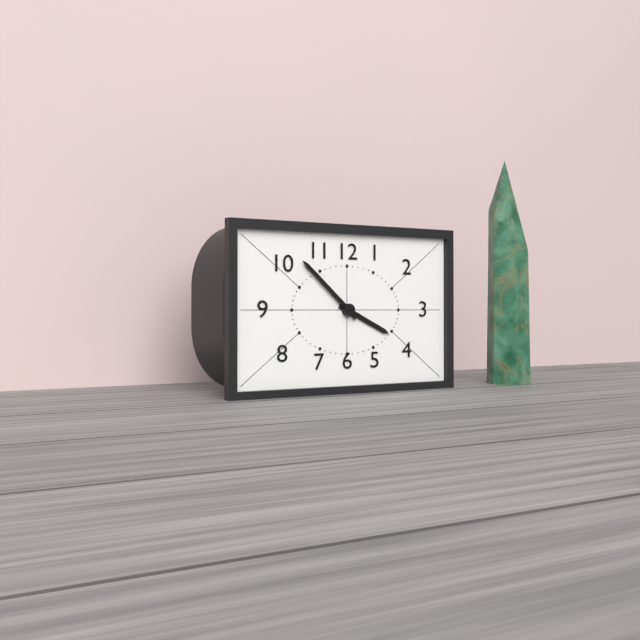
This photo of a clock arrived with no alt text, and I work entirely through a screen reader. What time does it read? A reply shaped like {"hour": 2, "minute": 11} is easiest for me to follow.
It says {"hour": 3, "minute": 52}
